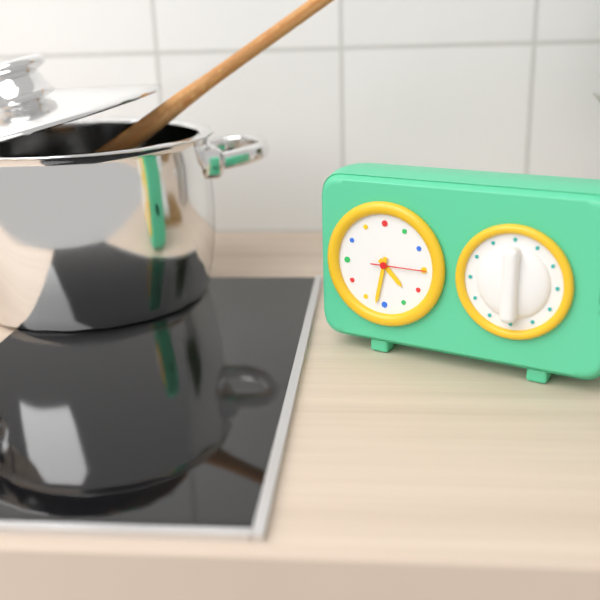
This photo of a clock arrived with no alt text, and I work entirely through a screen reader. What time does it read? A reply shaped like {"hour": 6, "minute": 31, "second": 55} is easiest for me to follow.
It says {"hour": 4, "minute": 32, "second": 15}
